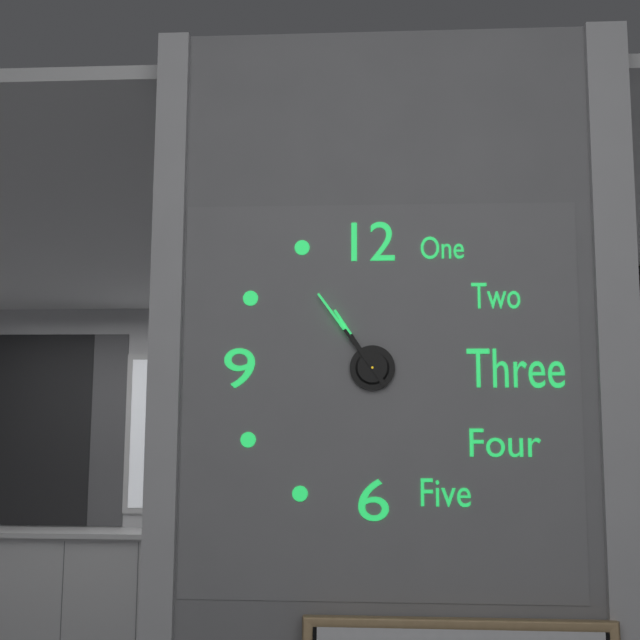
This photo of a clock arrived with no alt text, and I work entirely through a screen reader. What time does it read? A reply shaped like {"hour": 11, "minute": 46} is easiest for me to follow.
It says {"hour": 10, "minute": 54}
